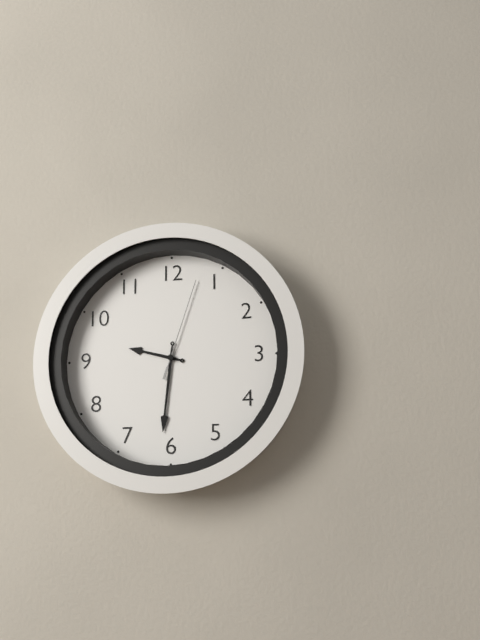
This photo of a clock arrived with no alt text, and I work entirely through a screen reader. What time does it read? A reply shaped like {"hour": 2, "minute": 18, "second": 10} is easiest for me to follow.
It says {"hour": 9, "minute": 31, "second": 3}
